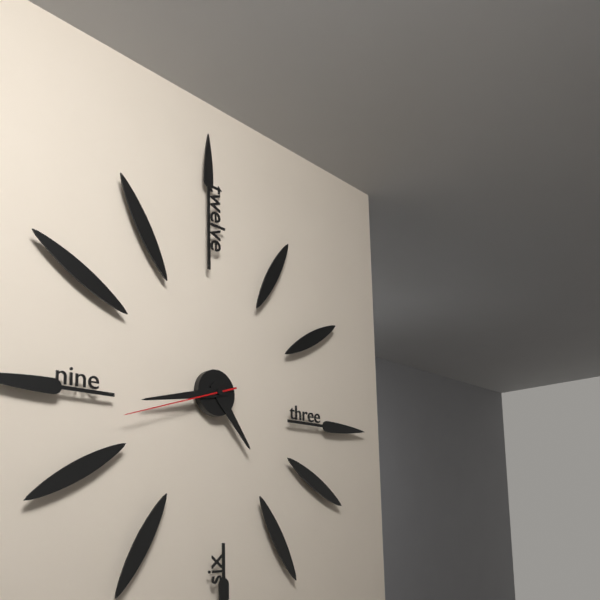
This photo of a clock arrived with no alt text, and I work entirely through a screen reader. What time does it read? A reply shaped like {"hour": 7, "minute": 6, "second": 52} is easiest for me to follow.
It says {"hour": 4, "minute": 43, "second": 42}
